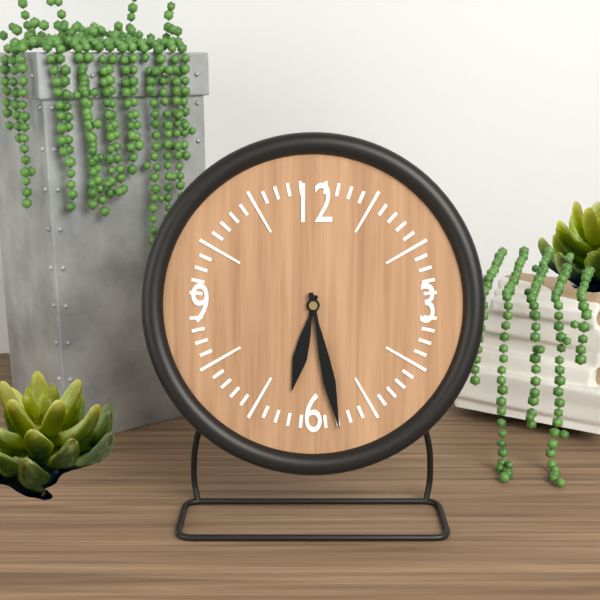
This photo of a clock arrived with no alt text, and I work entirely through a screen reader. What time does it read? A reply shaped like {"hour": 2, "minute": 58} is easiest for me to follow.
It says {"hour": 6, "minute": 28}
